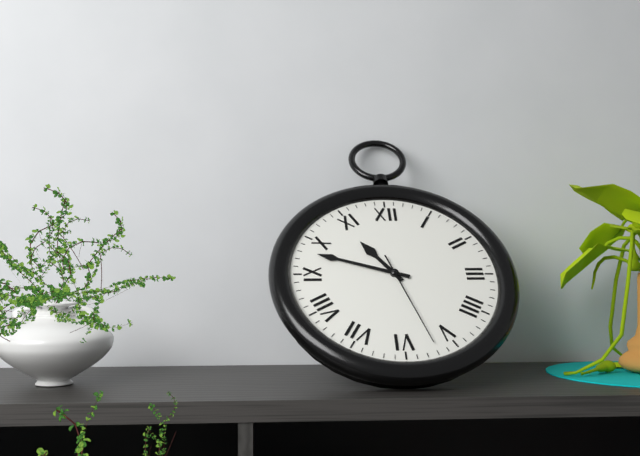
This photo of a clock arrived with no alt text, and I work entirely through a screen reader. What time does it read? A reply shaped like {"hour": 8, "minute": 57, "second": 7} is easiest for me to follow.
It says {"hour": 10, "minute": 48, "second": 27}
